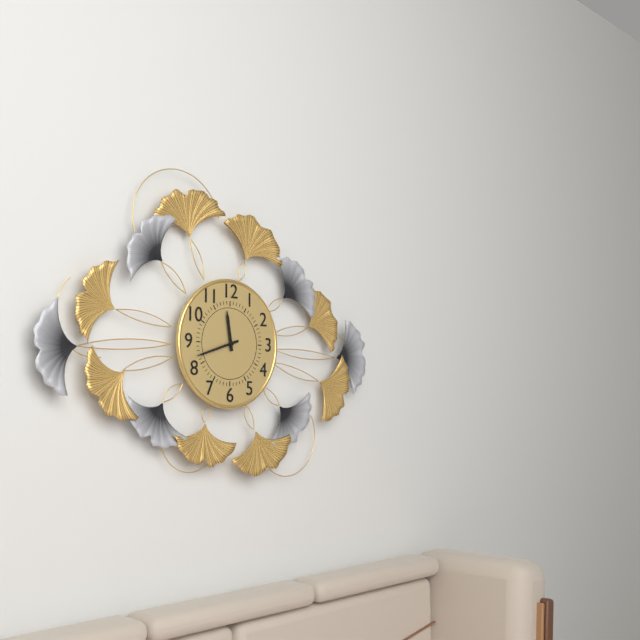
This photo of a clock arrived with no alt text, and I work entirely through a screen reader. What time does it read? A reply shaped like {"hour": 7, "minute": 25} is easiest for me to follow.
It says {"hour": 11, "minute": 42}
